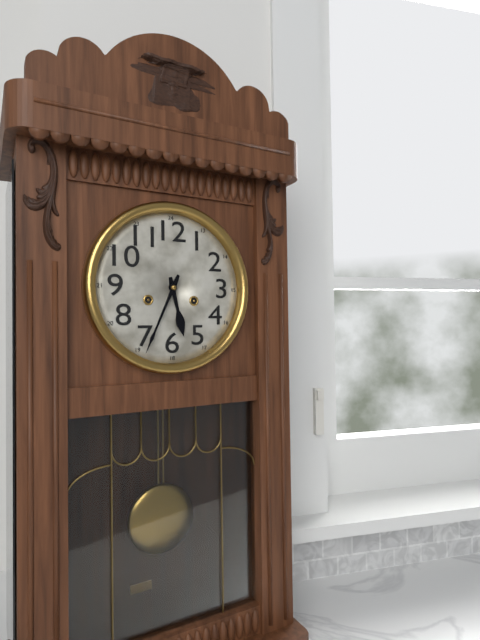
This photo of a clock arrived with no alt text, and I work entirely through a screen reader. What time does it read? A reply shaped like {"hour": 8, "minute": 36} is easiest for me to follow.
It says {"hour": 5, "minute": 34}
